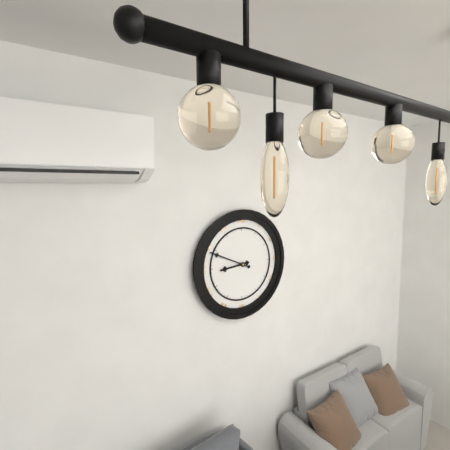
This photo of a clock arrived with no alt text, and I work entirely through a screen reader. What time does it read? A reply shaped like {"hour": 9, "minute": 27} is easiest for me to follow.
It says {"hour": 8, "minute": 49}
